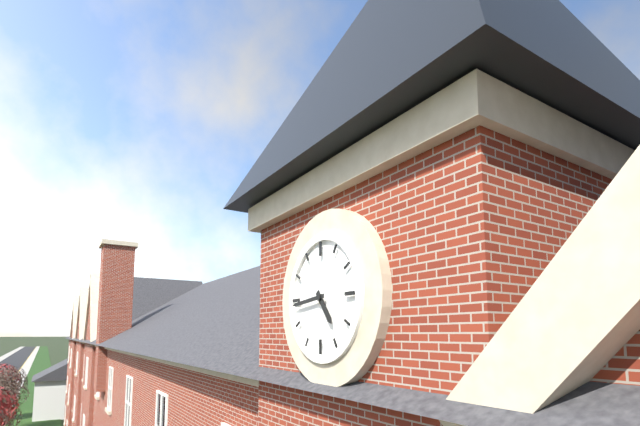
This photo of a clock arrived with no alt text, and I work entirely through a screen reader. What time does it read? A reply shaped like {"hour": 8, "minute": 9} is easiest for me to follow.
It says {"hour": 4, "minute": 44}
